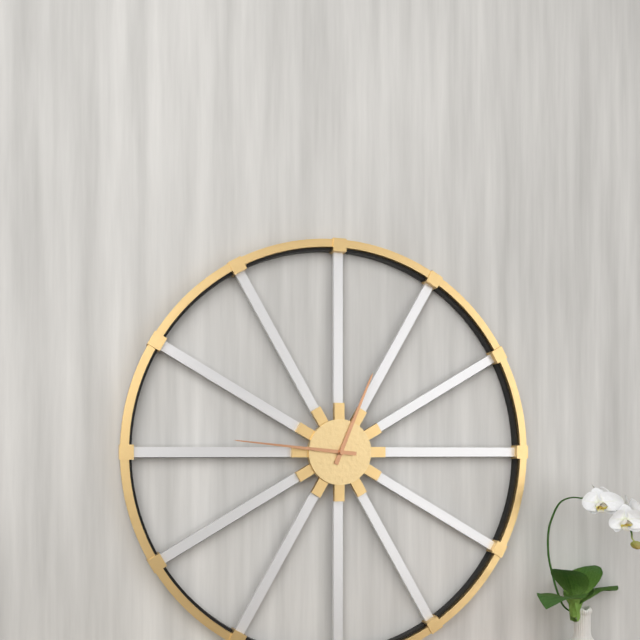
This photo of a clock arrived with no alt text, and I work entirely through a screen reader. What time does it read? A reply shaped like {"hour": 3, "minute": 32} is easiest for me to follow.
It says {"hour": 12, "minute": 46}
